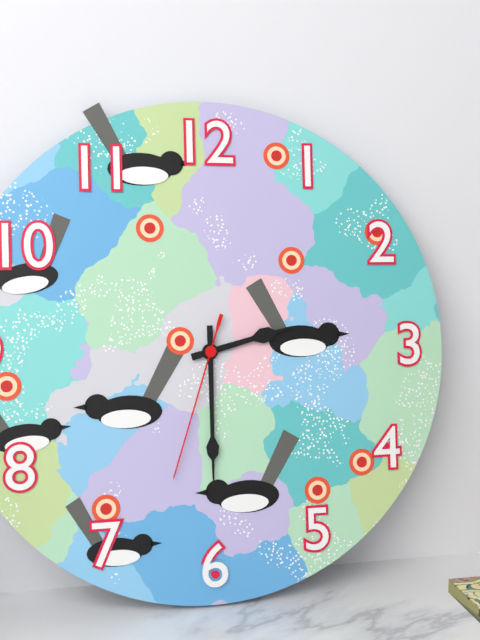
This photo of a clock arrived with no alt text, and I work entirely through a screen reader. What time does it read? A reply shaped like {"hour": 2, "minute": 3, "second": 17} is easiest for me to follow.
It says {"hour": 2, "minute": 30, "second": 33}
